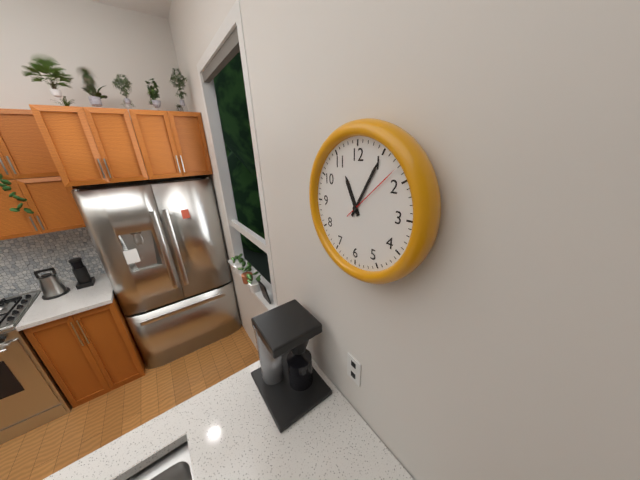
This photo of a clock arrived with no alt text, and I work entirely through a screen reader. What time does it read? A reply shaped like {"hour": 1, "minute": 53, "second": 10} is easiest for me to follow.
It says {"hour": 11, "minute": 5, "second": 8}
